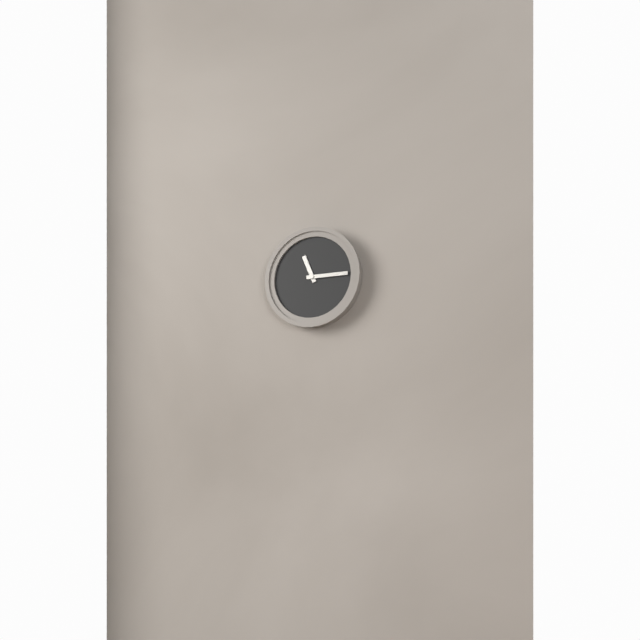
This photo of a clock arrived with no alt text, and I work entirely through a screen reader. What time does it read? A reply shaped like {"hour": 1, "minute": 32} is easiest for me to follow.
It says {"hour": 11, "minute": 15}
